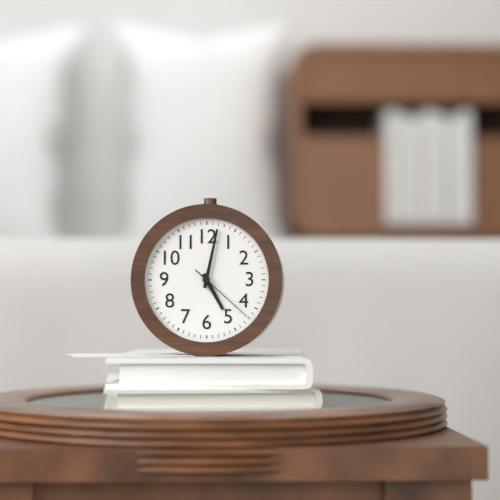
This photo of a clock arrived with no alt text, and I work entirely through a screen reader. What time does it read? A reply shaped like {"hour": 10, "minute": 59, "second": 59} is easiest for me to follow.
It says {"hour": 5, "minute": 2, "second": 22}
